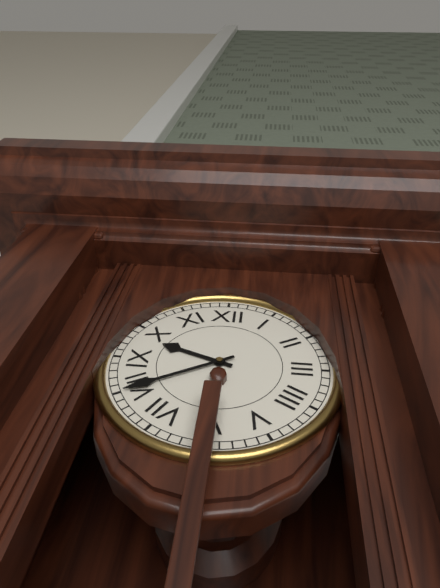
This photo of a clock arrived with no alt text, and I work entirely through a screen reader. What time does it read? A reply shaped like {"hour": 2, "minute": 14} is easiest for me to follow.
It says {"hour": 9, "minute": 40}
